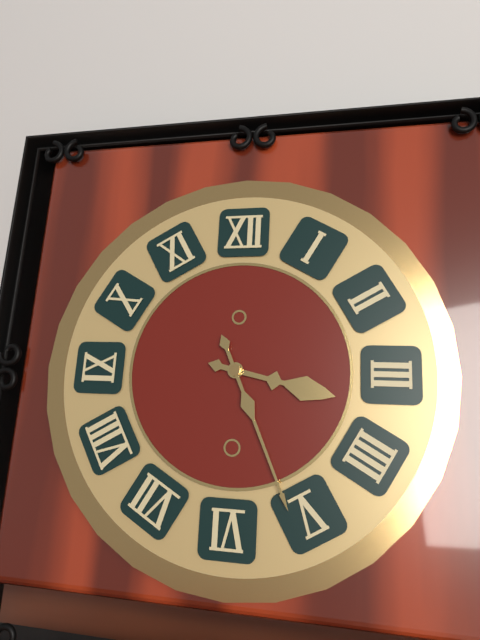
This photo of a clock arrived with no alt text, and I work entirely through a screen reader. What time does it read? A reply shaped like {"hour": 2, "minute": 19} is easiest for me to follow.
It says {"hour": 3, "minute": 26}
